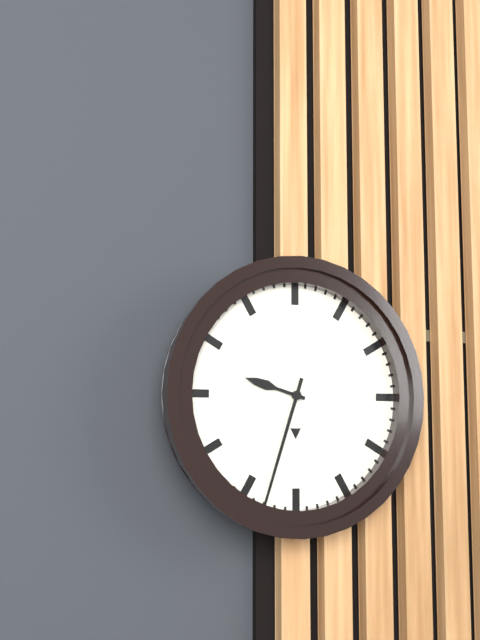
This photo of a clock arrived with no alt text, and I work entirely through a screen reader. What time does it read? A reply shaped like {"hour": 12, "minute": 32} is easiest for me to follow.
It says {"hour": 9, "minute": 33}
